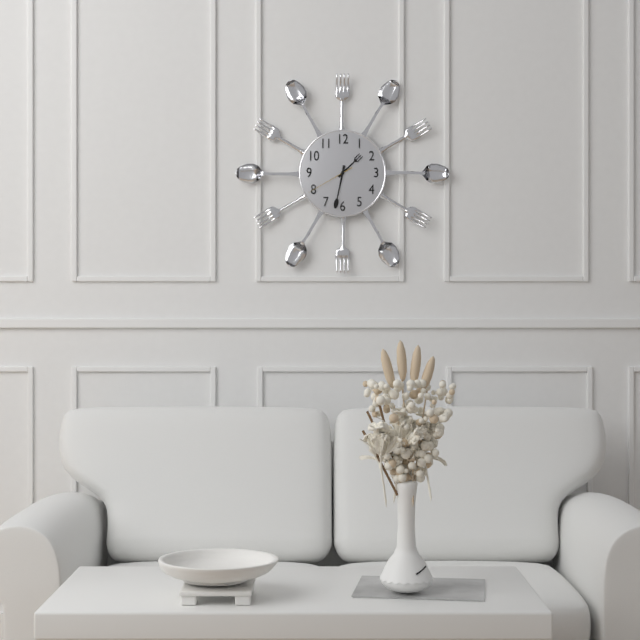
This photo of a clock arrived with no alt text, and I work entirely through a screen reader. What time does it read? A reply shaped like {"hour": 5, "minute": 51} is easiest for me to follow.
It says {"hour": 1, "minute": 32}
